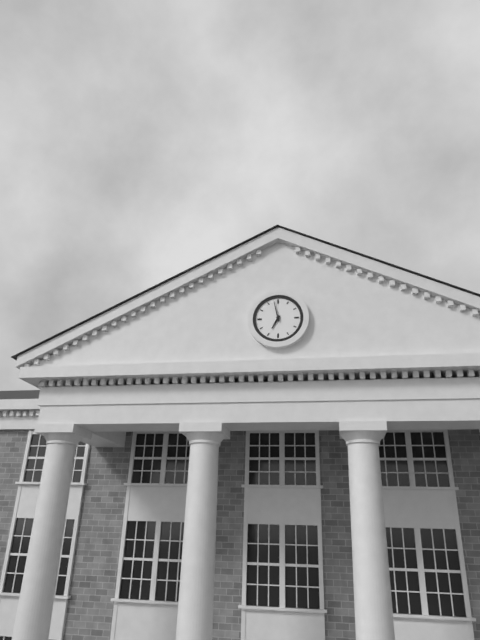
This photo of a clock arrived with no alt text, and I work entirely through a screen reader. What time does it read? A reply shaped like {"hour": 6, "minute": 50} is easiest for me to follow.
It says {"hour": 6, "minute": 58}
